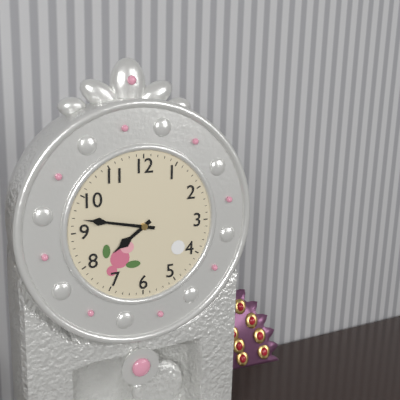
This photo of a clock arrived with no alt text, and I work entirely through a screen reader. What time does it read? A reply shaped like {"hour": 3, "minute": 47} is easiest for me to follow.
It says {"hour": 7, "minute": 47}
